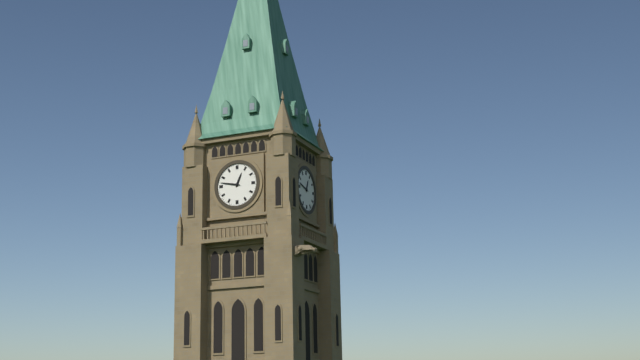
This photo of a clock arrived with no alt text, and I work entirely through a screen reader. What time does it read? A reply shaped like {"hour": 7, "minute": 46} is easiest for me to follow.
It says {"hour": 12, "minute": 47}
